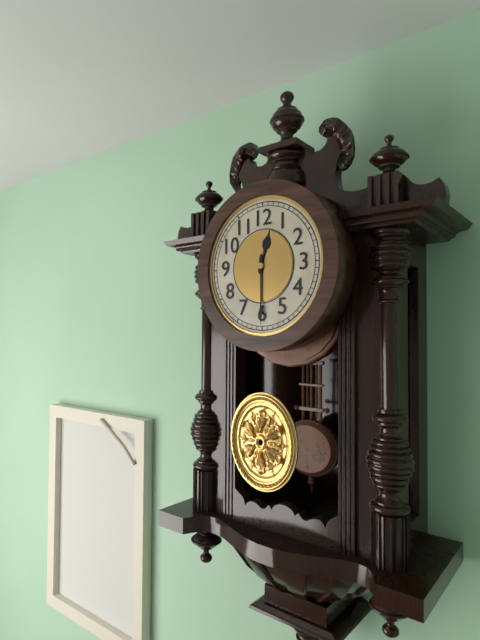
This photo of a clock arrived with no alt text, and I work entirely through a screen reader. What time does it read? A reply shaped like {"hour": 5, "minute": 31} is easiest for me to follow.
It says {"hour": 12, "minute": 30}
